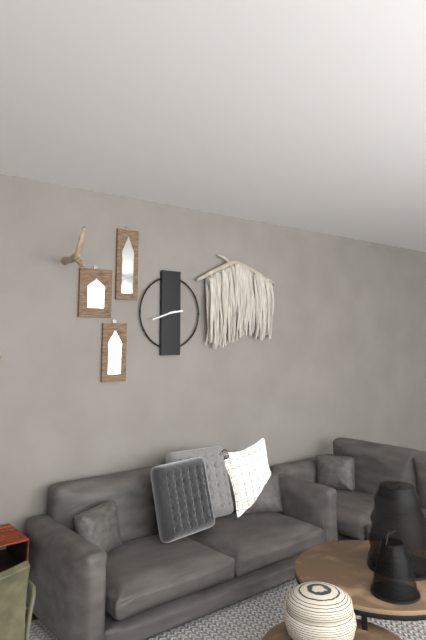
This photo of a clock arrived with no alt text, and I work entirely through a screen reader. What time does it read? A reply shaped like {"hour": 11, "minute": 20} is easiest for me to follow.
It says {"hour": 2, "minute": 42}
